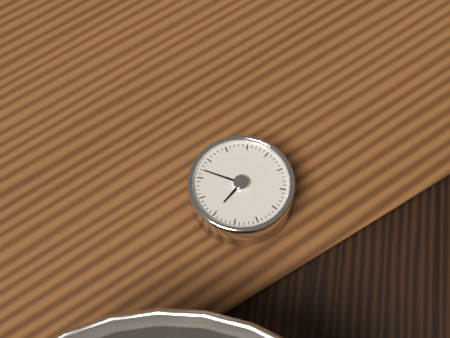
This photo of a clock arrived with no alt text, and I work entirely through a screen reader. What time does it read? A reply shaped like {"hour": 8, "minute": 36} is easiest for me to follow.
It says {"hour": 10, "minute": 2}
